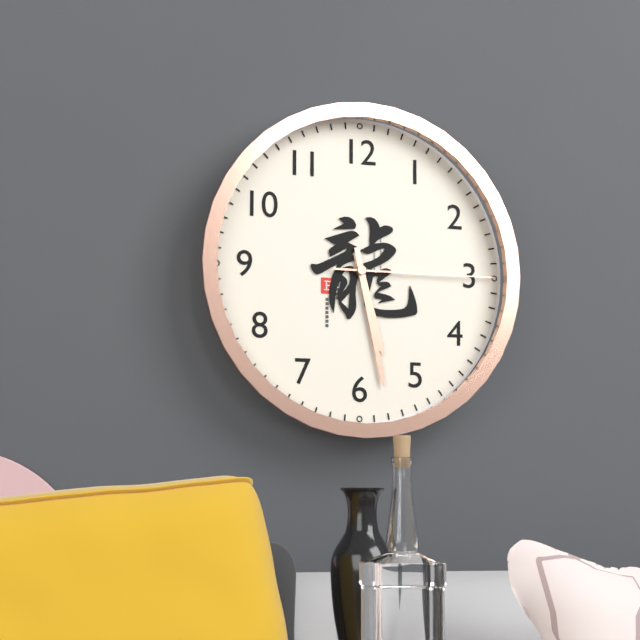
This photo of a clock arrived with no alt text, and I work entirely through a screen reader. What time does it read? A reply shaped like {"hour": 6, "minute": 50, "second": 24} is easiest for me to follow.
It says {"hour": 5, "minute": 28, "second": 15}
